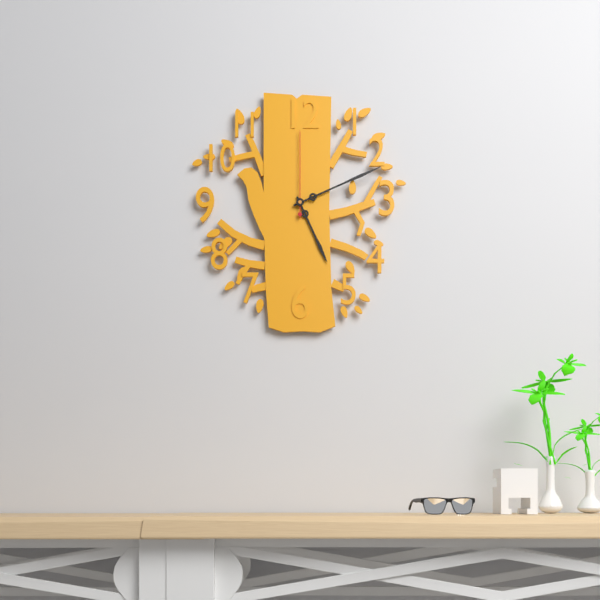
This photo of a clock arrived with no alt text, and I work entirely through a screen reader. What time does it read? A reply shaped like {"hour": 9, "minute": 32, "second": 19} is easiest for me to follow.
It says {"hour": 5, "minute": 11, "second": 0}
